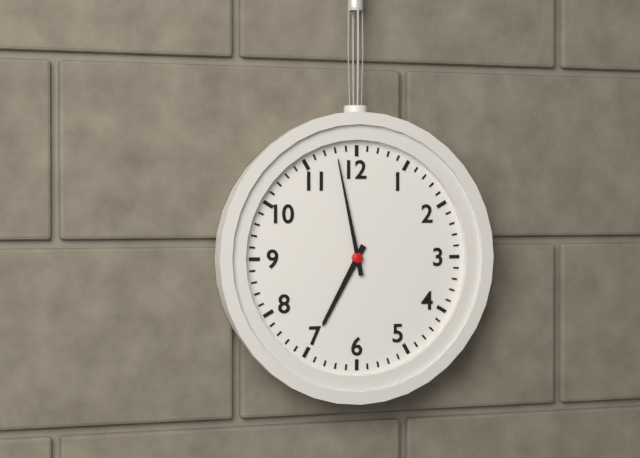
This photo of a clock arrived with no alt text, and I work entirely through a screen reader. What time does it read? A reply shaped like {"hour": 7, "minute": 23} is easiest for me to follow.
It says {"hour": 6, "minute": 58}
